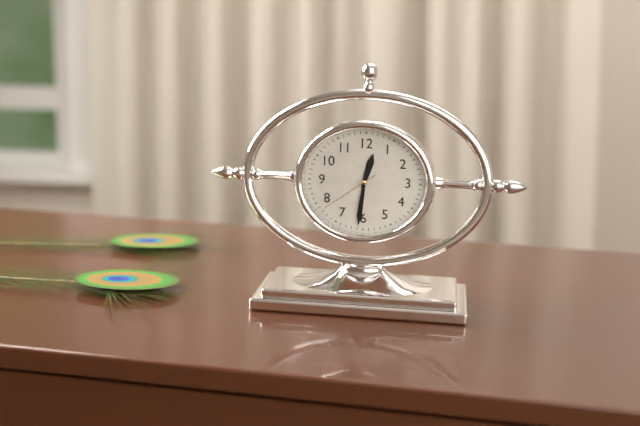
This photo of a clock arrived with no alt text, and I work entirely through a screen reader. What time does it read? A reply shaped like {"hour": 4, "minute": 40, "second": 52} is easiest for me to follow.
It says {"hour": 12, "minute": 31, "second": 39}
